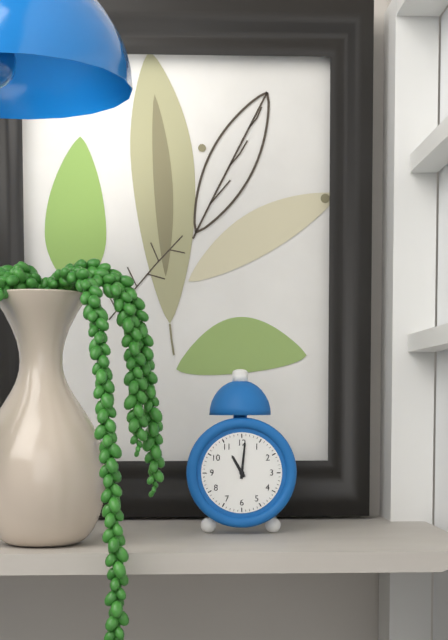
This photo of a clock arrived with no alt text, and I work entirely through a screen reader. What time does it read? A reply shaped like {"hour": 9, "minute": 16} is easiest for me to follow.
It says {"hour": 11, "minute": 1}
